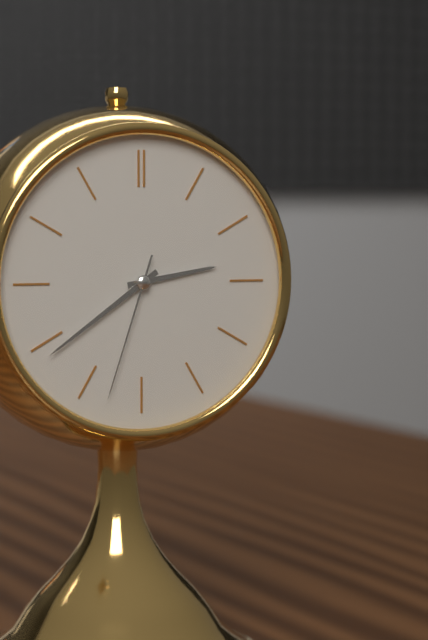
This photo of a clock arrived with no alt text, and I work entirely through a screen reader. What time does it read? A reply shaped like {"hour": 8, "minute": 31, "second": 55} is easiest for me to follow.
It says {"hour": 2, "minute": 39, "second": 33}
